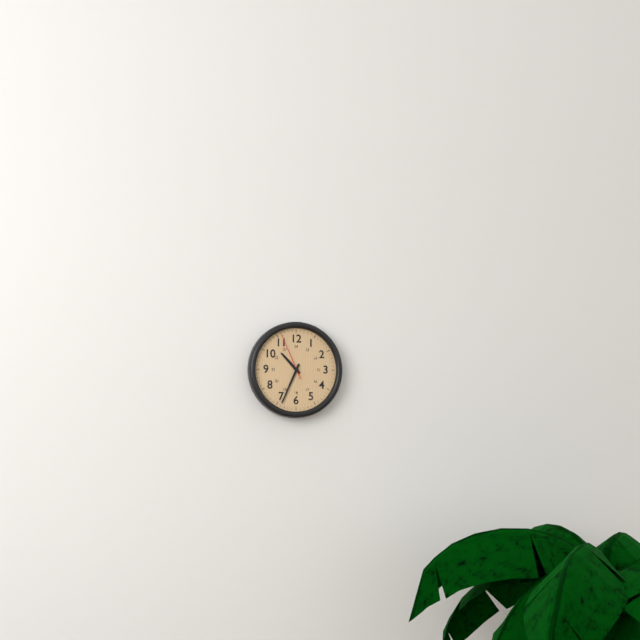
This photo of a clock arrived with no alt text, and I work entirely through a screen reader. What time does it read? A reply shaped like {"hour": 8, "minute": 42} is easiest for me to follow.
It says {"hour": 10, "minute": 34}
